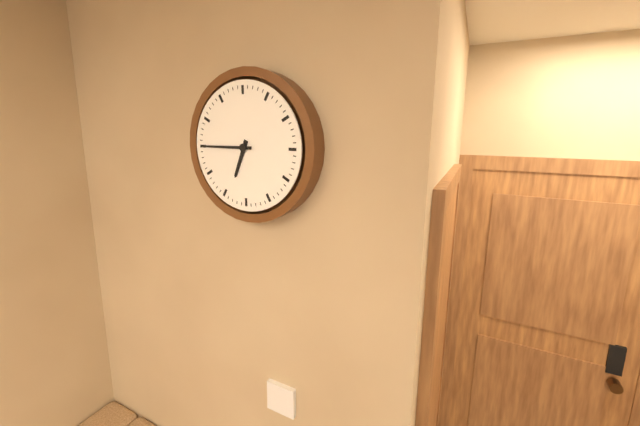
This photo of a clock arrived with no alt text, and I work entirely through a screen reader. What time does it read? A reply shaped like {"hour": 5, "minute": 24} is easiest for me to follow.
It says {"hour": 6, "minute": 45}
